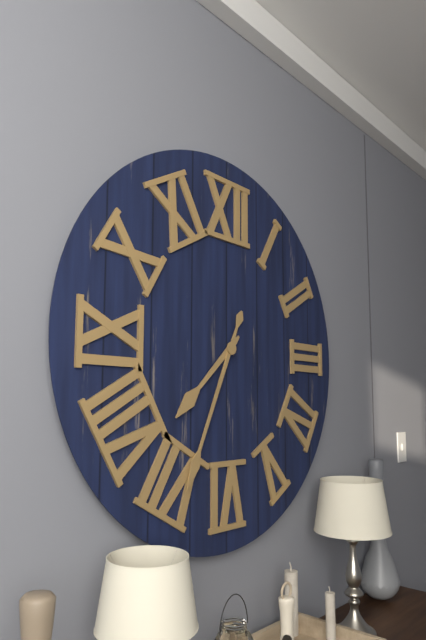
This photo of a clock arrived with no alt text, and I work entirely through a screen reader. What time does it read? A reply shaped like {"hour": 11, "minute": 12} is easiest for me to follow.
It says {"hour": 7, "minute": 34}
